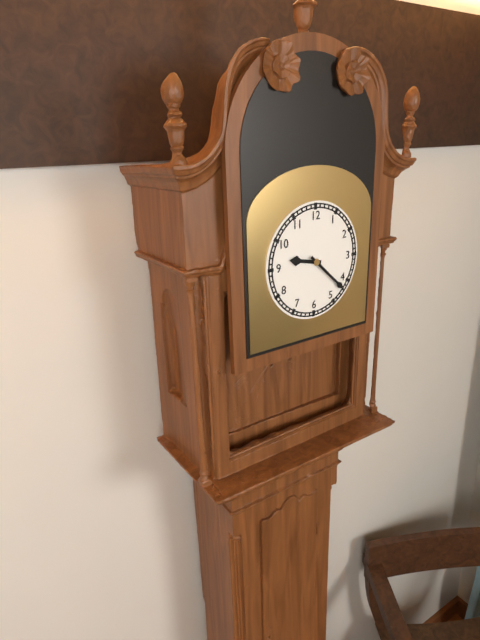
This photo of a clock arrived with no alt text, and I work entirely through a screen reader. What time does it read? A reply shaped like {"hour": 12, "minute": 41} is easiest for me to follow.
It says {"hour": 9, "minute": 22}
